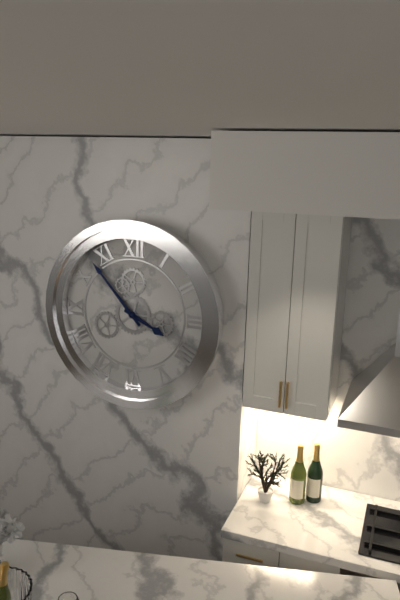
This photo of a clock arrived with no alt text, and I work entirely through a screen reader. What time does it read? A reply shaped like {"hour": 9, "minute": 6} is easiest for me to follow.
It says {"hour": 3, "minute": 53}
